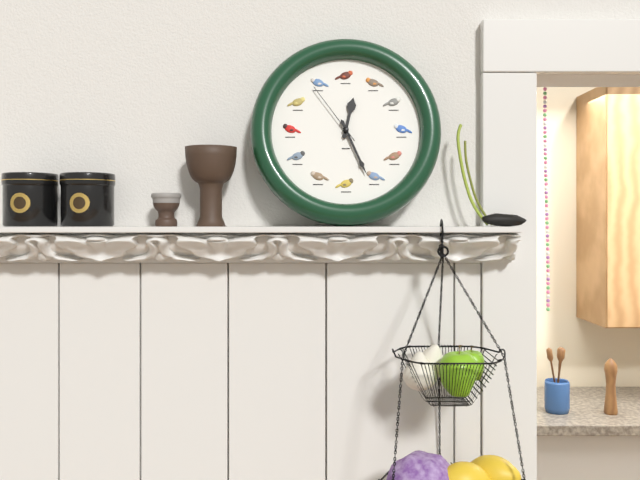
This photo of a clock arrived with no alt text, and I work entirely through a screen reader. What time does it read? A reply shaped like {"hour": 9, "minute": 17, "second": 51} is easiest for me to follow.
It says {"hour": 12, "minute": 26, "second": 54}
